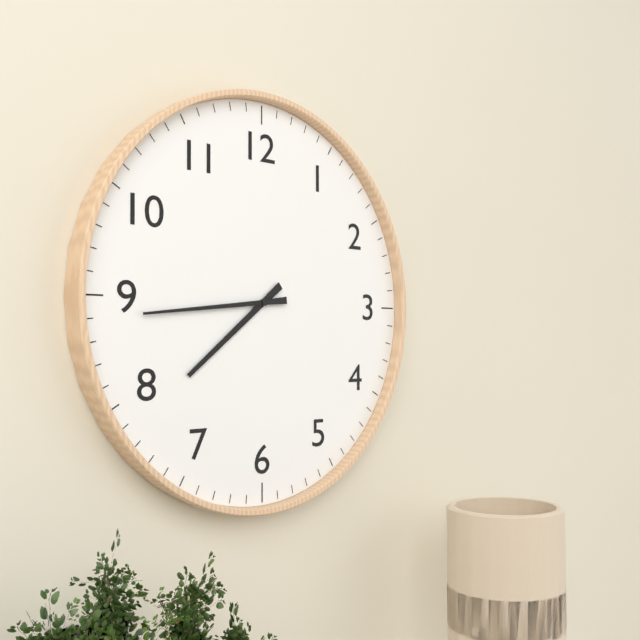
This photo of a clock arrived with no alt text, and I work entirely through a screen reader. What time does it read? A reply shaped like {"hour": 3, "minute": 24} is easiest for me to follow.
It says {"hour": 7, "minute": 44}
